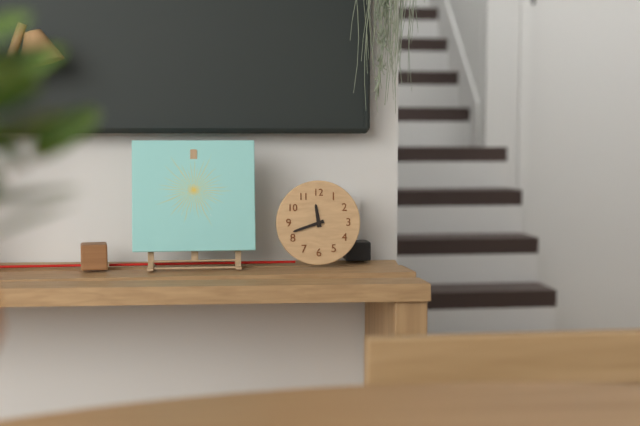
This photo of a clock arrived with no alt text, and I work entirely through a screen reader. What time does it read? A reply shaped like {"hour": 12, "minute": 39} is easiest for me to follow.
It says {"hour": 11, "minute": 42}
